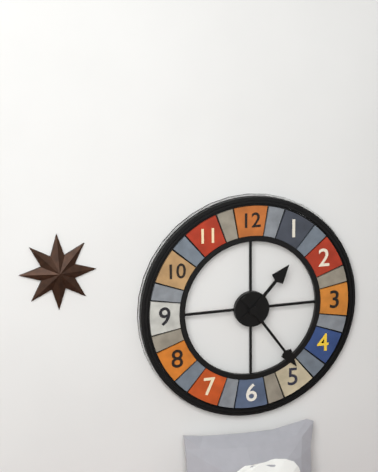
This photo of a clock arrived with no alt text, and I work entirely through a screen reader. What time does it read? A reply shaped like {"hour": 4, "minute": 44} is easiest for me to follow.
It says {"hour": 1, "minute": 24}
